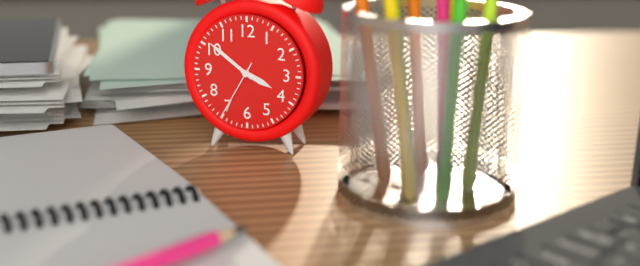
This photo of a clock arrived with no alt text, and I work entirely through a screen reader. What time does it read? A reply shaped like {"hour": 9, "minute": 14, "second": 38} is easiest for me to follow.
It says {"hour": 3, "minute": 51, "second": 35}
